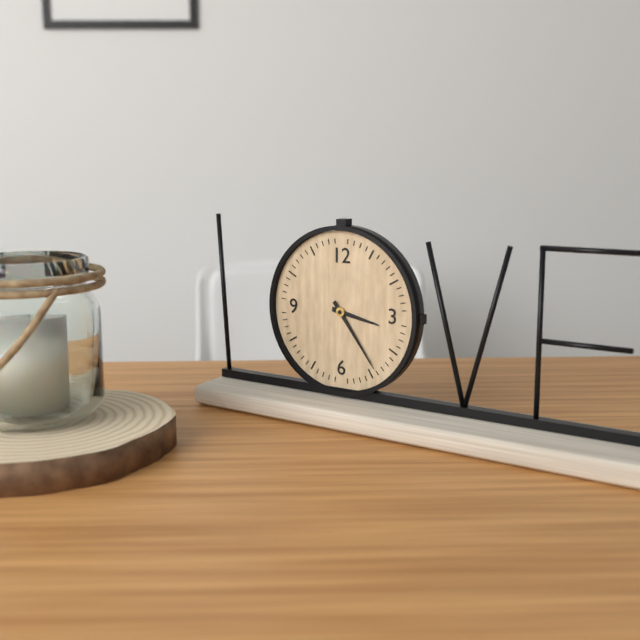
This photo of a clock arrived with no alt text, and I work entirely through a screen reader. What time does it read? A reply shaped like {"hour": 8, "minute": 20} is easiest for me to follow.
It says {"hour": 3, "minute": 24}
